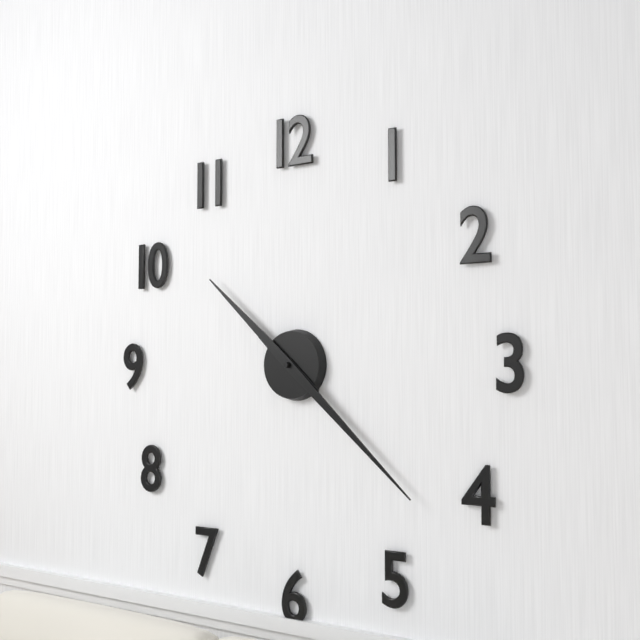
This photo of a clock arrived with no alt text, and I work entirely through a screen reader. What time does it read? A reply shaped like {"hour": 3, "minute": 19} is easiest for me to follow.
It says {"hour": 10, "minute": 22}
